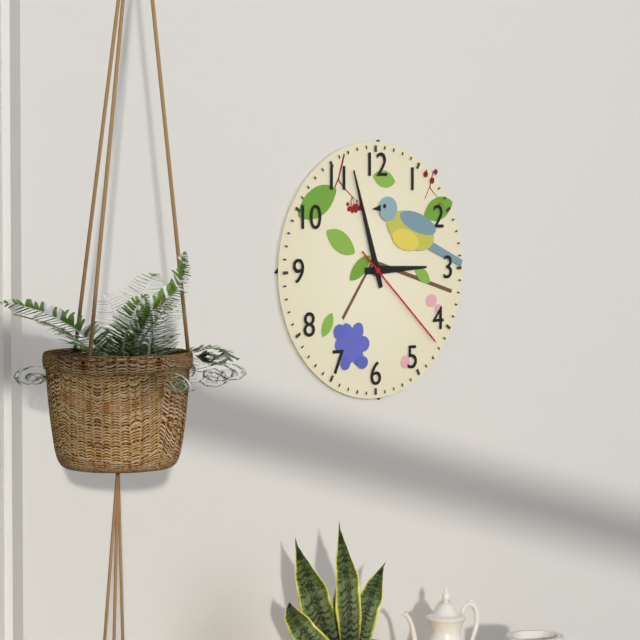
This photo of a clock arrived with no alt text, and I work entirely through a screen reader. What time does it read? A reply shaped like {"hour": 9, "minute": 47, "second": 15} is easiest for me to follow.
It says {"hour": 2, "minute": 57, "second": 22}
